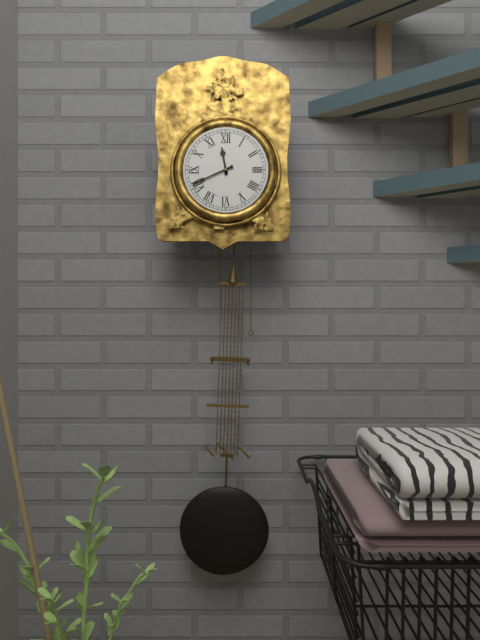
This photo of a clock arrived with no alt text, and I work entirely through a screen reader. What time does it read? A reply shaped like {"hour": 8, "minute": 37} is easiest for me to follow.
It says {"hour": 11, "minute": 41}
